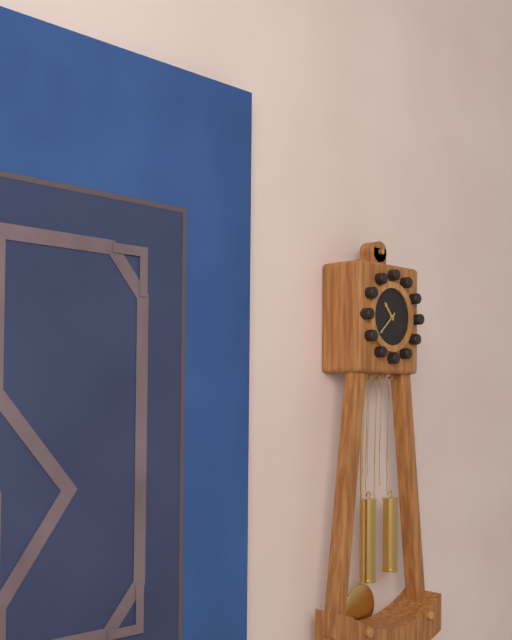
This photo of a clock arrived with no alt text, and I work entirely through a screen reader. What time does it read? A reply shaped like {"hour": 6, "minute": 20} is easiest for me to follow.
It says {"hour": 10, "minute": 38}
